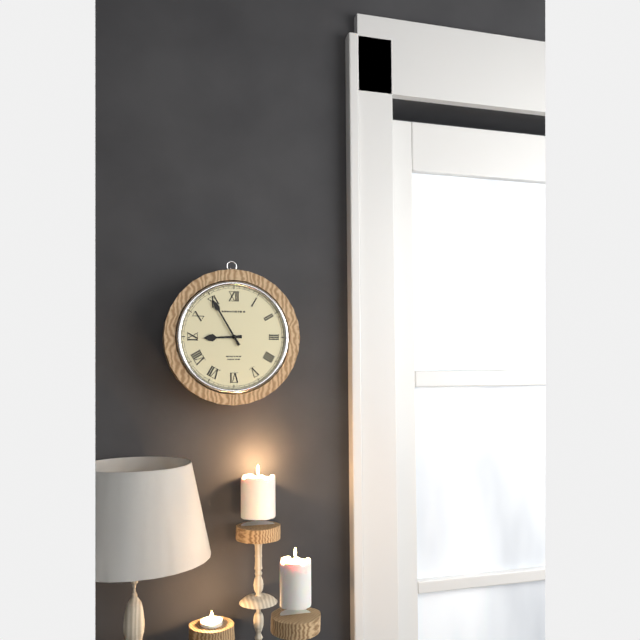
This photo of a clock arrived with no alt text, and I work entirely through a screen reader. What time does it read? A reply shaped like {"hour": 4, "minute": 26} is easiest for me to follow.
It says {"hour": 8, "minute": 55}
